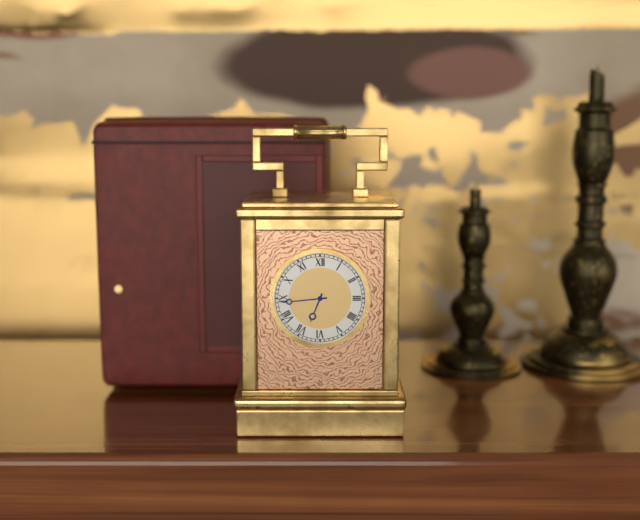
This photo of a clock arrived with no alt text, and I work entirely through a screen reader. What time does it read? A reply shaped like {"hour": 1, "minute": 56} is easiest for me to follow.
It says {"hour": 6, "minute": 44}
